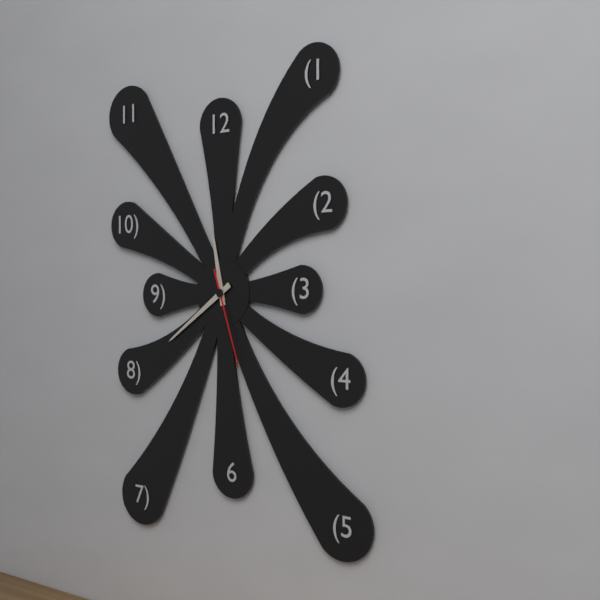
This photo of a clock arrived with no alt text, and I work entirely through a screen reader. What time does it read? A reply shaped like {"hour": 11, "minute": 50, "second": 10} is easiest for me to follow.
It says {"hour": 11, "minute": 39, "second": 27}
